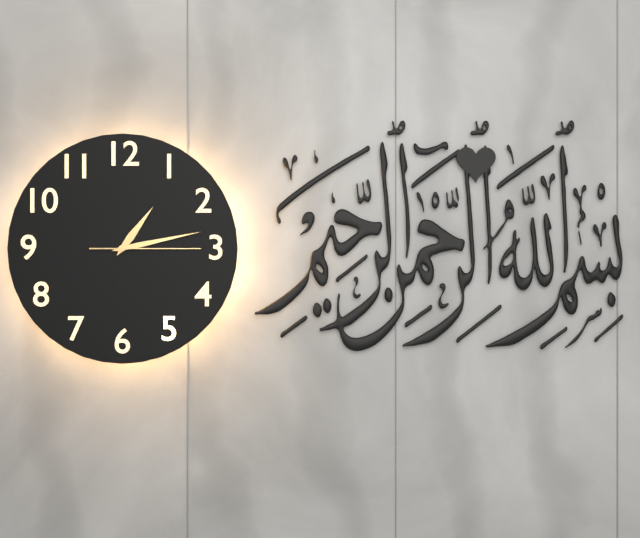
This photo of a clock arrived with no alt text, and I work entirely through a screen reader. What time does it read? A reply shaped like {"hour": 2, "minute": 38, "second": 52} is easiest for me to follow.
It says {"hour": 1, "minute": 13, "second": 15}
